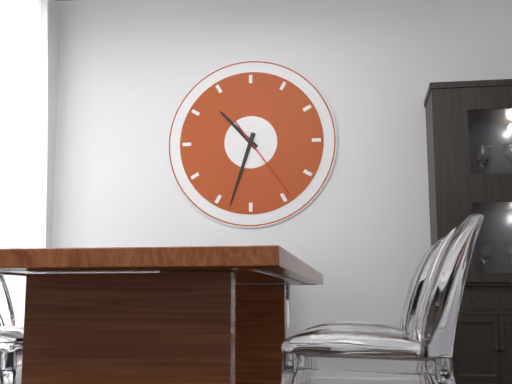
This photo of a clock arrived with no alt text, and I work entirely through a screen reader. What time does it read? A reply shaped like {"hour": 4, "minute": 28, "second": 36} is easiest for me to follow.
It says {"hour": 10, "minute": 33, "second": 24}
